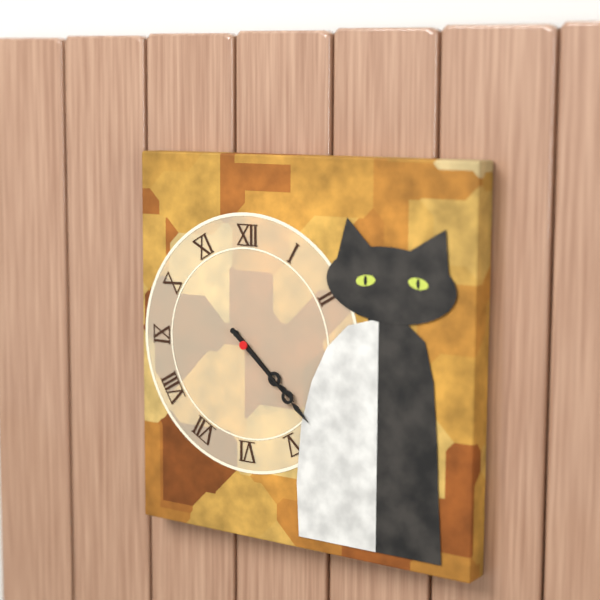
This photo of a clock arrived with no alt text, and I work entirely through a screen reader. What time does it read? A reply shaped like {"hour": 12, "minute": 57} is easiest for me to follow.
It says {"hour": 4, "minute": 22}
